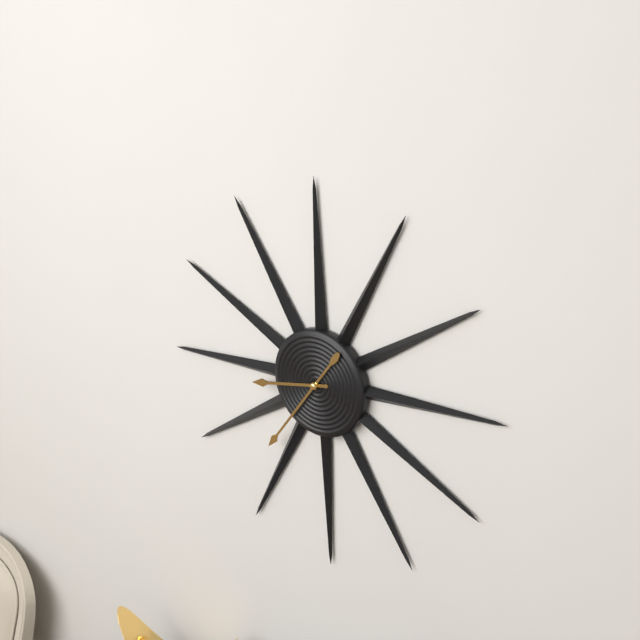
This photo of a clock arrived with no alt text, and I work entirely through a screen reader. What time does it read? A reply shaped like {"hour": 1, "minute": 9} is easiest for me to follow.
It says {"hour": 8, "minute": 36}
